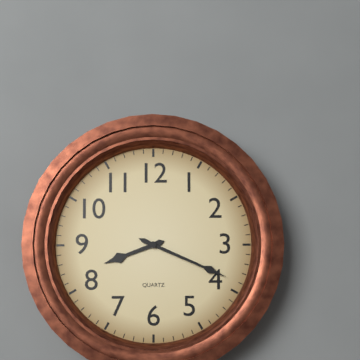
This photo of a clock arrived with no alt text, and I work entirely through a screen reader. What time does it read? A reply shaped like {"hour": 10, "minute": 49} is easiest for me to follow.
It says {"hour": 8, "minute": 19}
